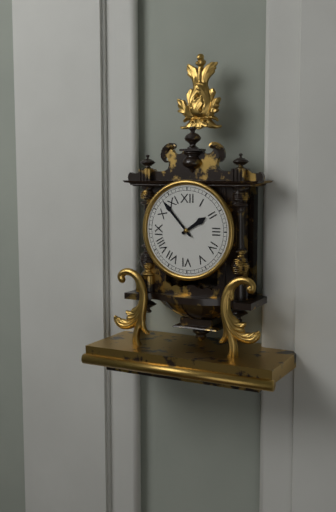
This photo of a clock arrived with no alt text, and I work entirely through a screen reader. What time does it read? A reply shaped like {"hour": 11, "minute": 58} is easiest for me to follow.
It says {"hour": 1, "minute": 53}
